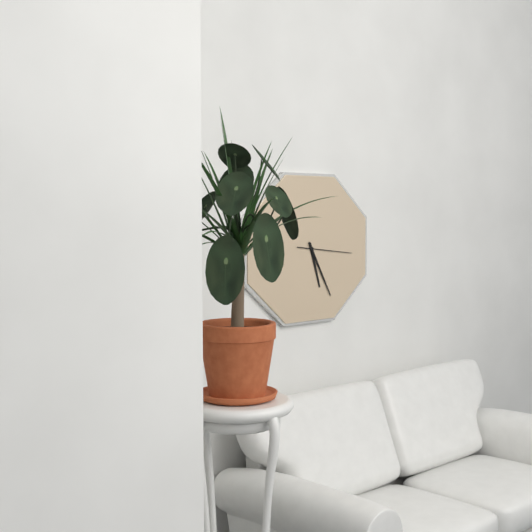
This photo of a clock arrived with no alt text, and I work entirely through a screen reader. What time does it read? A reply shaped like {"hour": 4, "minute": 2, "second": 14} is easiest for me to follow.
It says {"hour": 5, "minute": 25, "second": 16}
